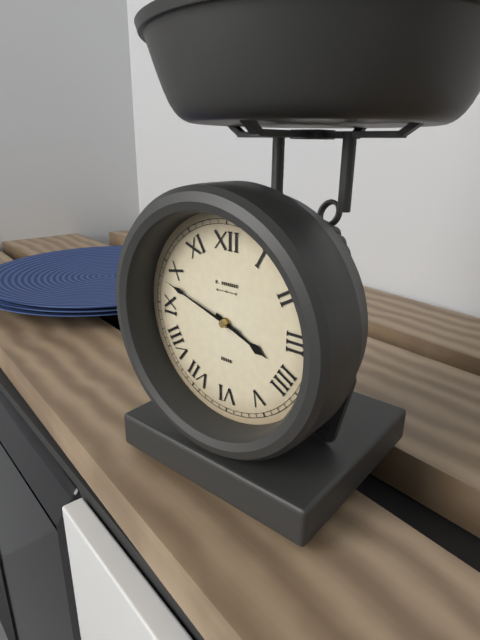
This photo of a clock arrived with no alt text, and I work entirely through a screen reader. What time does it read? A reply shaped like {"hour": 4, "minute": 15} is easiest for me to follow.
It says {"hour": 3, "minute": 48}
